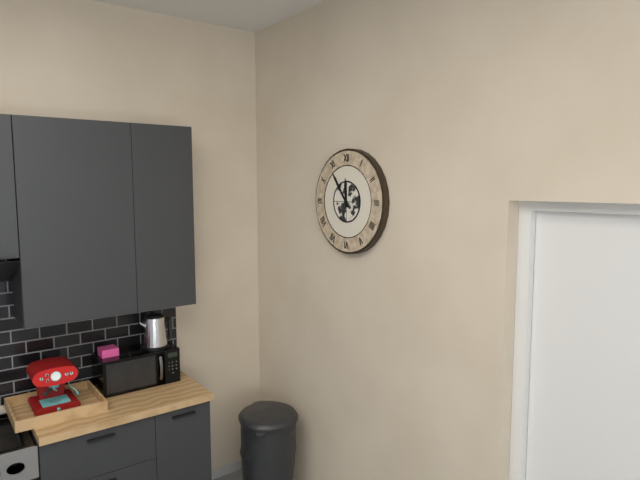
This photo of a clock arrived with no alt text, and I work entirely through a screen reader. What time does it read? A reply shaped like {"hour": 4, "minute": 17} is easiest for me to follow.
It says {"hour": 11, "minute": 54}
